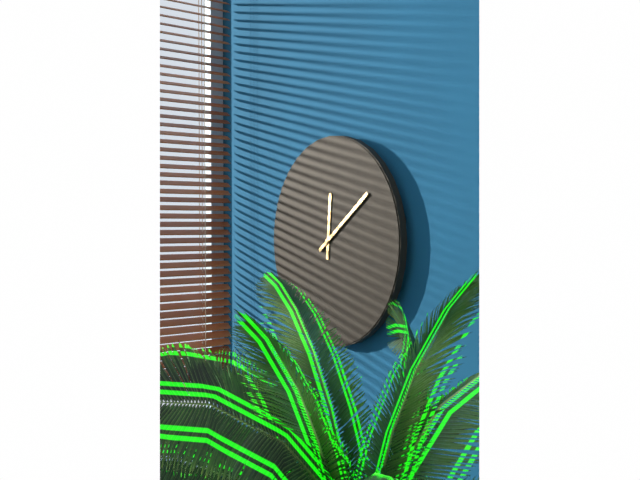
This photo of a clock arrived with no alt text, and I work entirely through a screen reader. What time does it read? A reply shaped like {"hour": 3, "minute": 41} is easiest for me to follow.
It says {"hour": 12, "minute": 9}
